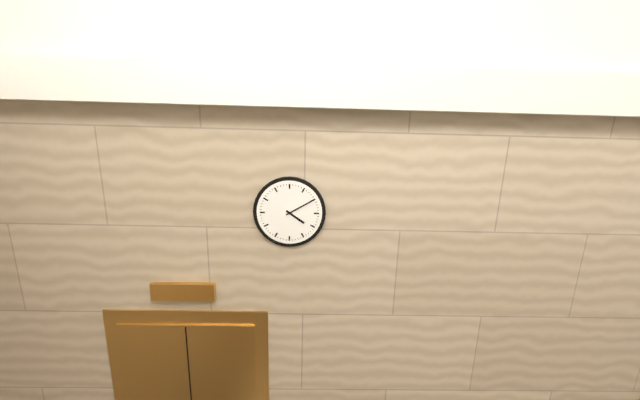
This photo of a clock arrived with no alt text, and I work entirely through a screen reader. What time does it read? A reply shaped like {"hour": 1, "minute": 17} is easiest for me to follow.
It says {"hour": 4, "minute": 10}
